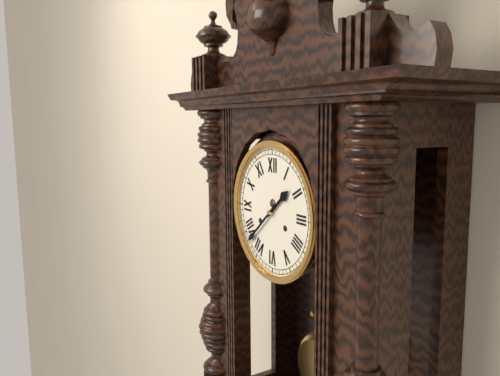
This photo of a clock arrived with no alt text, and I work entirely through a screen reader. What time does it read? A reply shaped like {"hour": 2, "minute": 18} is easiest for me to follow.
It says {"hour": 1, "minute": 38}
